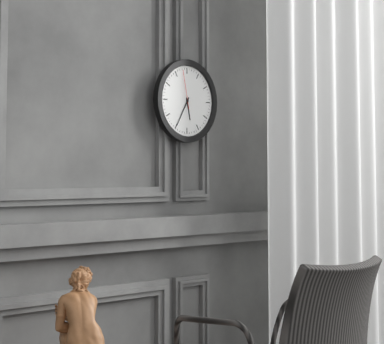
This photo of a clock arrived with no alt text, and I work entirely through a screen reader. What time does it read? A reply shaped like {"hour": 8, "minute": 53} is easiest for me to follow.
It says {"hour": 5, "minute": 35}
